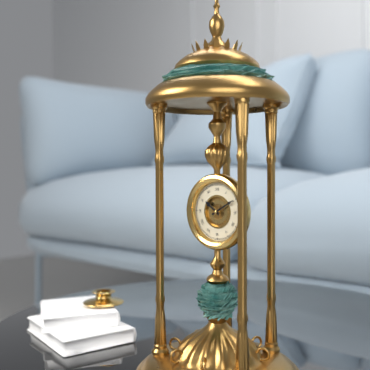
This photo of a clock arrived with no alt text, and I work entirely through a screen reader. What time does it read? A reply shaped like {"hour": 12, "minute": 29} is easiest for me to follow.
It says {"hour": 10, "minute": 10}
